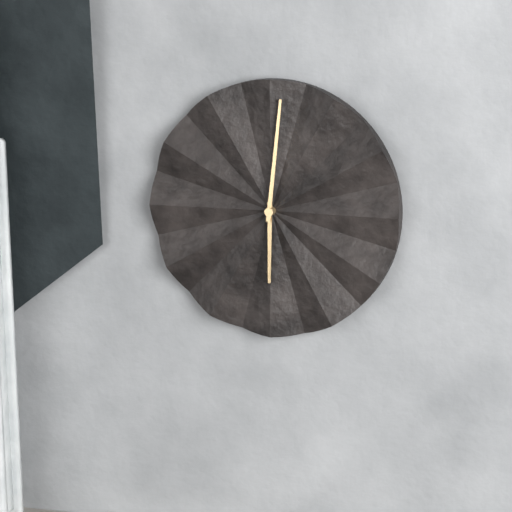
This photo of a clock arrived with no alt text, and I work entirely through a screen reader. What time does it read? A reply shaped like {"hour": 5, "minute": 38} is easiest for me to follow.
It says {"hour": 6, "minute": 1}
